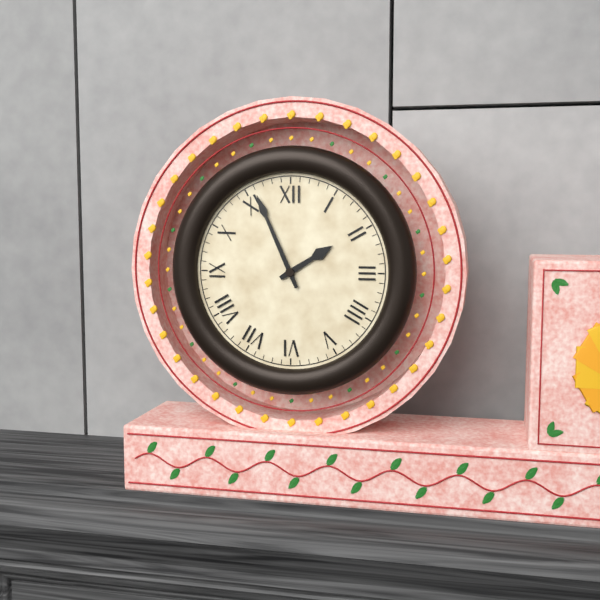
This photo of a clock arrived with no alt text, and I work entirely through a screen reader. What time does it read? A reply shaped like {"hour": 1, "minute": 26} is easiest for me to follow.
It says {"hour": 1, "minute": 56}
